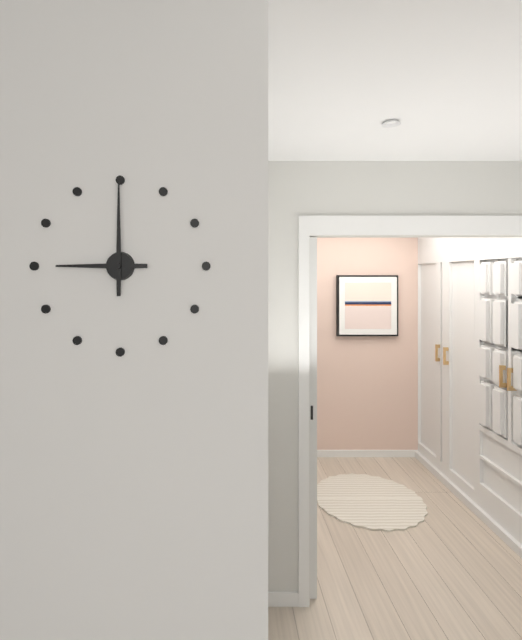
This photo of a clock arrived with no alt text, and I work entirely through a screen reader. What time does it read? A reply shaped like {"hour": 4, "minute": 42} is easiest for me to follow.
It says {"hour": 9, "minute": 0}
